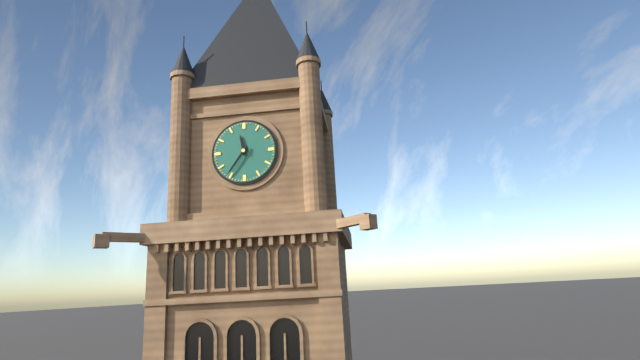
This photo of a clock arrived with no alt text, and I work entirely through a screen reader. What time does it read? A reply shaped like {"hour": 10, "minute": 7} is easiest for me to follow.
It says {"hour": 11, "minute": 36}
